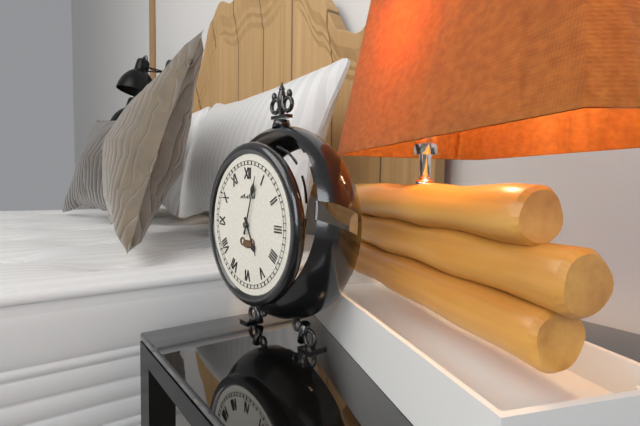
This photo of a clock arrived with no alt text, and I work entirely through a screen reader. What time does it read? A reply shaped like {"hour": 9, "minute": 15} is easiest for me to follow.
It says {"hour": 5, "minute": 3}
